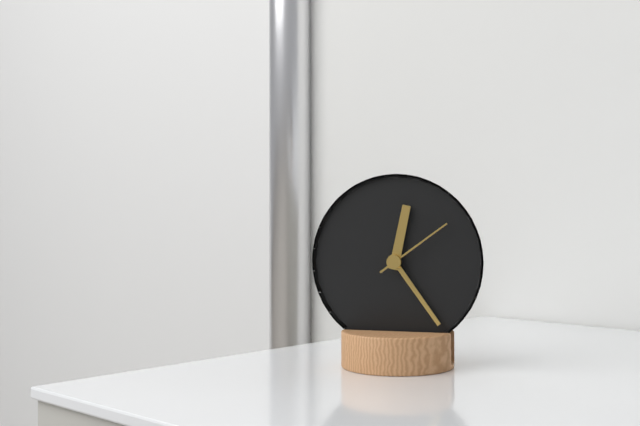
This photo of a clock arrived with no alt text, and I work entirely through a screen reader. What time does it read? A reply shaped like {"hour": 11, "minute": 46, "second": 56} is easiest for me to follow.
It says {"hour": 12, "minute": 24, "second": 9}
